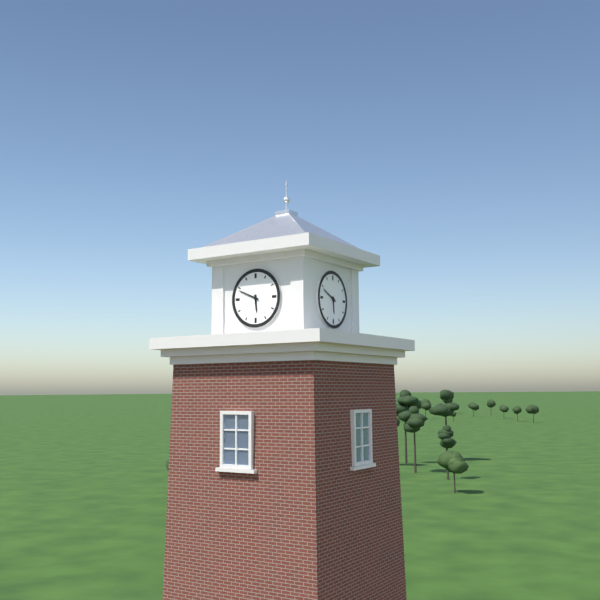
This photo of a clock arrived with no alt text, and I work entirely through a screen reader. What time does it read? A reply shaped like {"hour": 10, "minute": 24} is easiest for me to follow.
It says {"hour": 5, "minute": 49}
